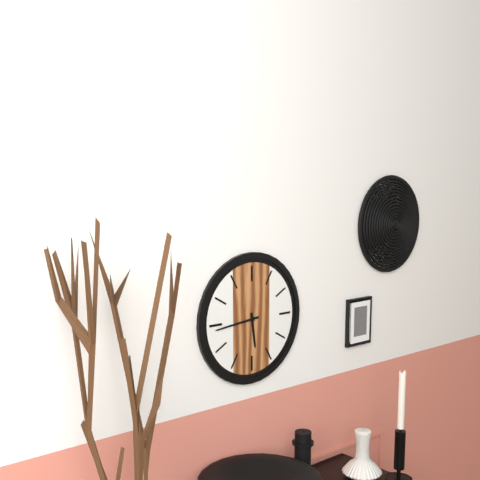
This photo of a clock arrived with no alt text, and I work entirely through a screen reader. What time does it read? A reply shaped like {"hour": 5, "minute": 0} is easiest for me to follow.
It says {"hour": 5, "minute": 44}
